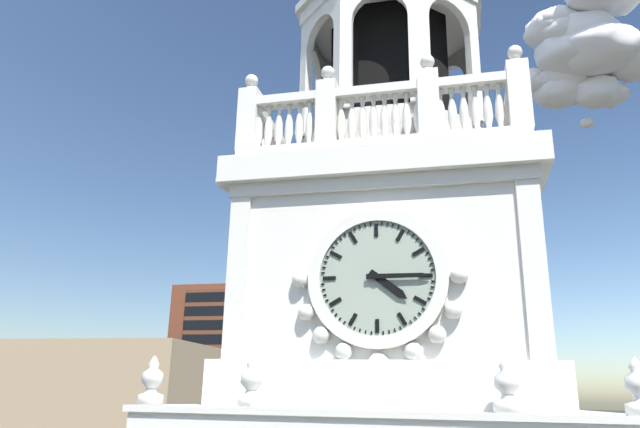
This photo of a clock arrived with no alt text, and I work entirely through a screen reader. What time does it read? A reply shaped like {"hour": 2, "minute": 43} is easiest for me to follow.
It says {"hour": 4, "minute": 15}
